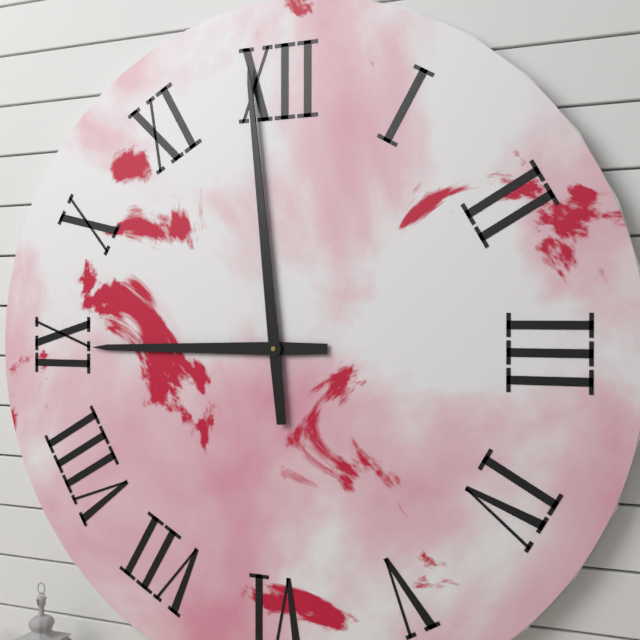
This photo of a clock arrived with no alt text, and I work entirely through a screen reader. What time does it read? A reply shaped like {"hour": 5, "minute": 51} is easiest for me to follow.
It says {"hour": 8, "minute": 59}
